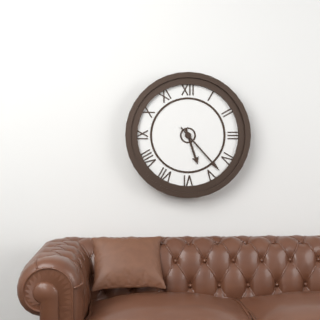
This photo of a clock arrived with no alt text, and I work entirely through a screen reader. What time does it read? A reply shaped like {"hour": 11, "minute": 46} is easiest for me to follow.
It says {"hour": 5, "minute": 23}
